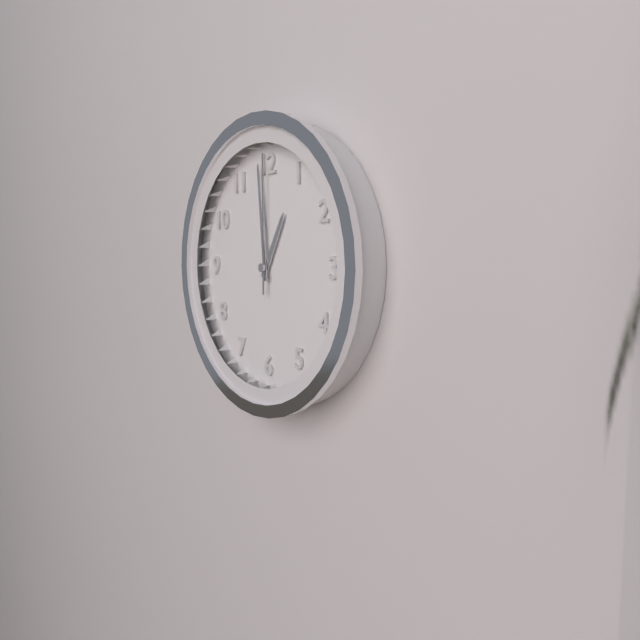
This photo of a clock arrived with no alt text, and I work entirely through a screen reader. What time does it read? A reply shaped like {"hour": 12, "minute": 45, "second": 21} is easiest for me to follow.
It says {"hour": 12, "minute": 59, "second": 0}
